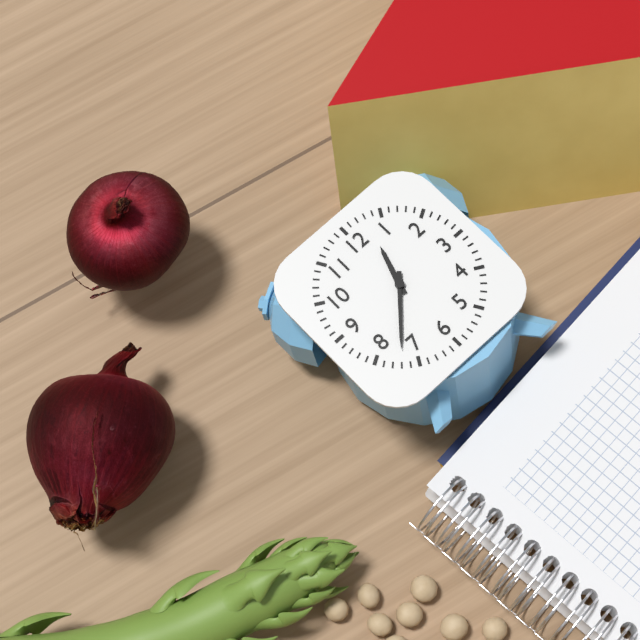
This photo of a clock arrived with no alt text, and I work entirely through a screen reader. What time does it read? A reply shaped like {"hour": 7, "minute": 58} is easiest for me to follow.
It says {"hour": 12, "minute": 37}
